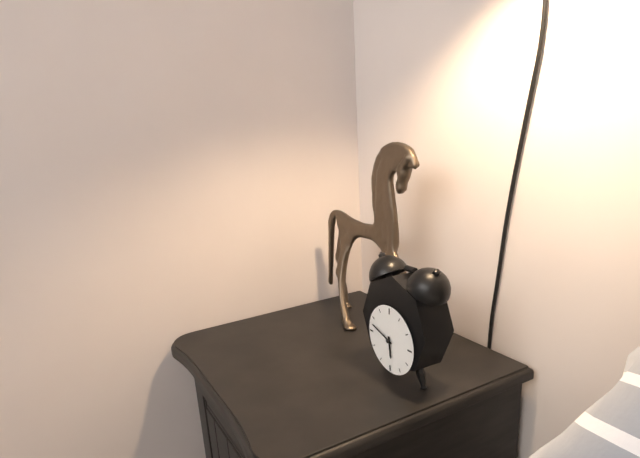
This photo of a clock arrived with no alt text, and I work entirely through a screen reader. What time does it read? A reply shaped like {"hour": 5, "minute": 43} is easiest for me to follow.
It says {"hour": 5, "minute": 48}
